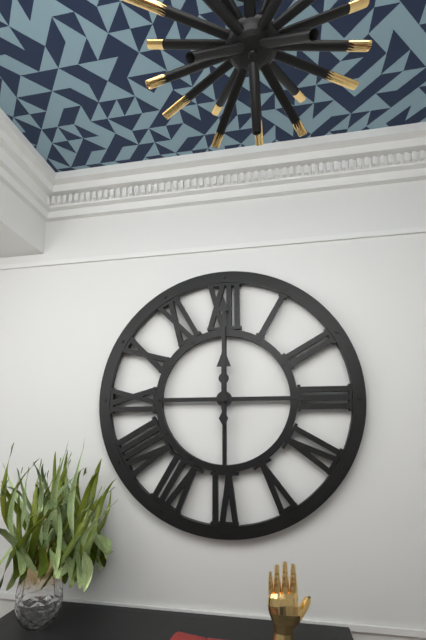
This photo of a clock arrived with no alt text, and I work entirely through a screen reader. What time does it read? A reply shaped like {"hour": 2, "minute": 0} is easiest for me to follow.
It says {"hour": 12, "minute": 0}
